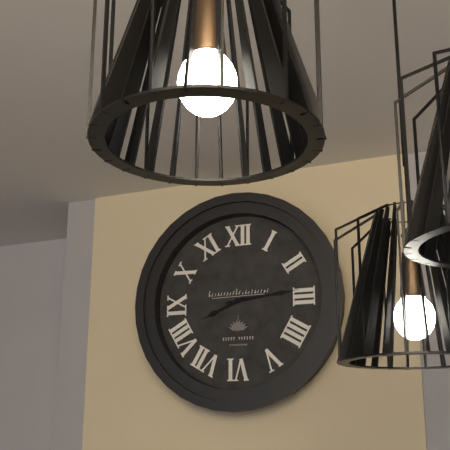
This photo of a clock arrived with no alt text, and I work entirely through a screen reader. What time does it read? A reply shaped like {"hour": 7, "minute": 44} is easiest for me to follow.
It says {"hour": 8, "minute": 14}
